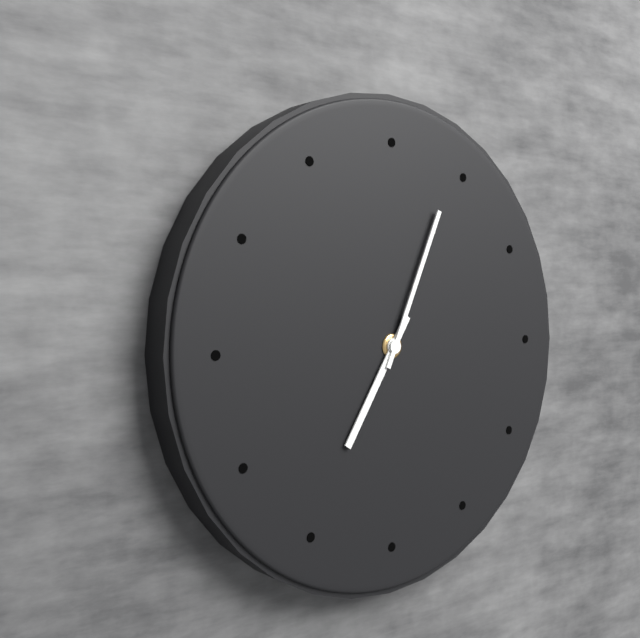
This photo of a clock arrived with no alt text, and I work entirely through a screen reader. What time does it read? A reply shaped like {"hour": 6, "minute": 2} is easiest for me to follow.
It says {"hour": 7, "minute": 4}
